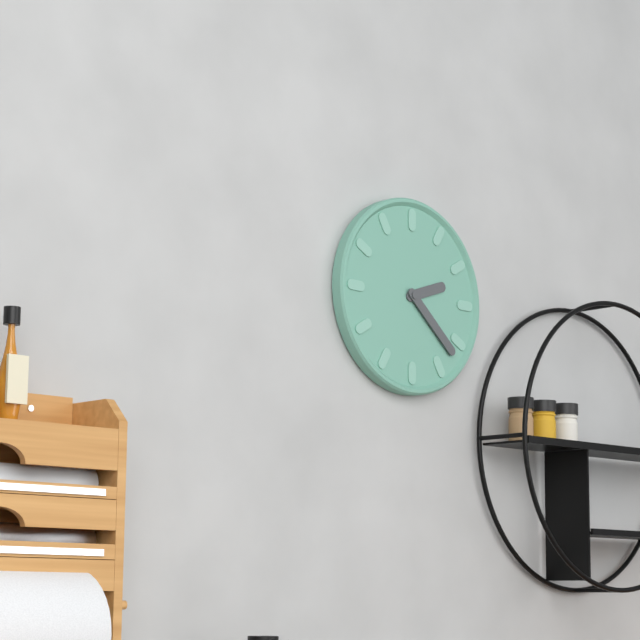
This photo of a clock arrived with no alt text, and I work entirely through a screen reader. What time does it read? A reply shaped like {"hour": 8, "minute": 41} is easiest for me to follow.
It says {"hour": 2, "minute": 22}
